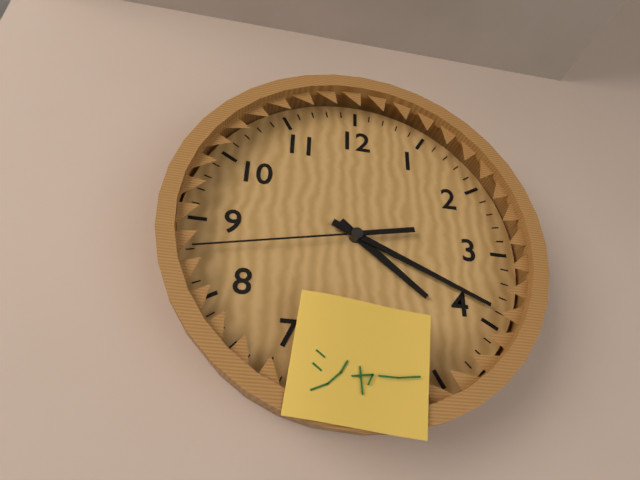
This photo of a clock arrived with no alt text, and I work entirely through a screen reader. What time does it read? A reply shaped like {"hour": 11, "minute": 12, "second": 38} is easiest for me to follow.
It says {"hour": 4, "minute": 19, "second": 43}
